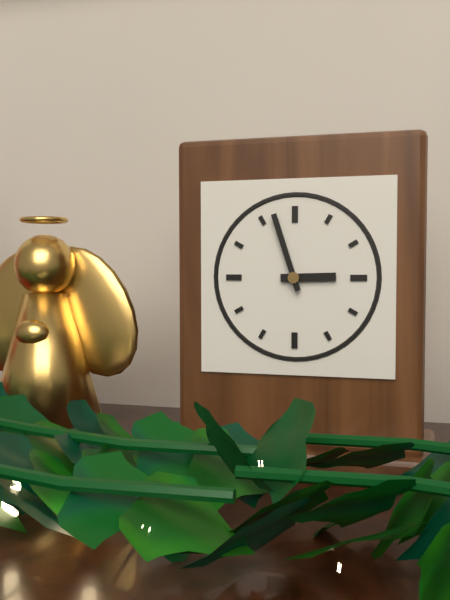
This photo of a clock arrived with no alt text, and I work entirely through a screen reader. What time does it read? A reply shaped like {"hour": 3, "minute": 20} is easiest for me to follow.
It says {"hour": 2, "minute": 57}
